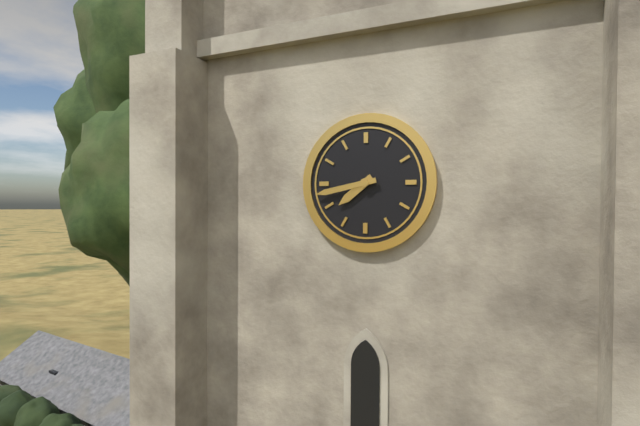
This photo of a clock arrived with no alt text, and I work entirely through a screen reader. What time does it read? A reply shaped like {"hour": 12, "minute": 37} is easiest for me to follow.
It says {"hour": 7, "minute": 43}
